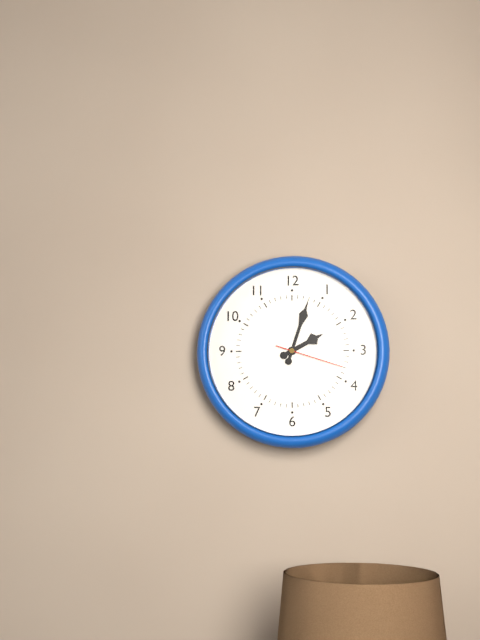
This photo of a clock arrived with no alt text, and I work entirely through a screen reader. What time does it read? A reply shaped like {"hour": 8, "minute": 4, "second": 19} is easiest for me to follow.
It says {"hour": 2, "minute": 3, "second": 18}
